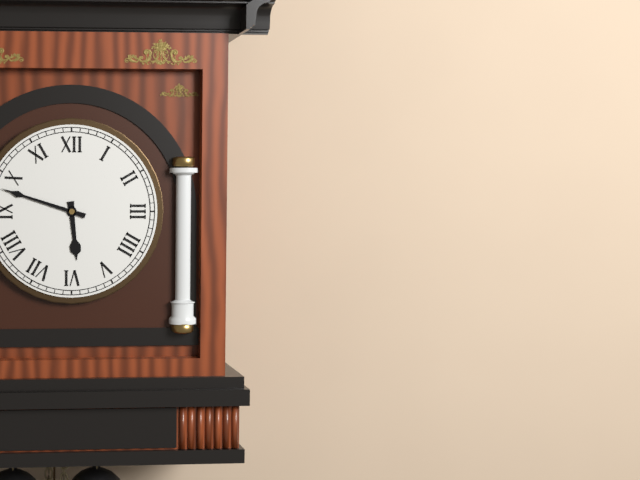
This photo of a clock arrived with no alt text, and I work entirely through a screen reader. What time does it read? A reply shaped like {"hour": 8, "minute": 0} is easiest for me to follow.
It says {"hour": 5, "minute": 48}
